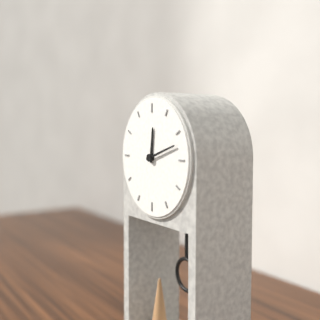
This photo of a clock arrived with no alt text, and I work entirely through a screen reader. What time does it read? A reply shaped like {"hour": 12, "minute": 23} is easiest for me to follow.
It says {"hour": 12, "minute": 12}
